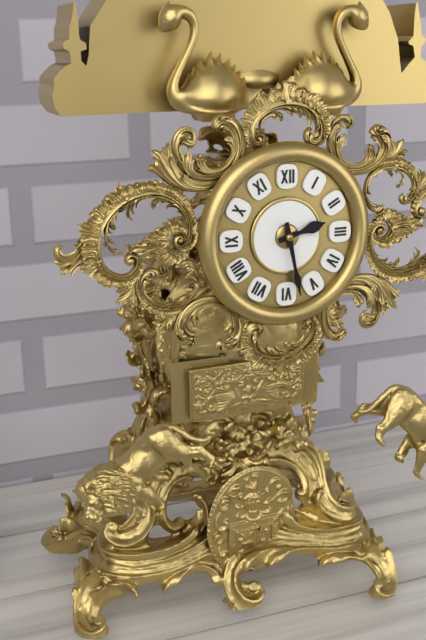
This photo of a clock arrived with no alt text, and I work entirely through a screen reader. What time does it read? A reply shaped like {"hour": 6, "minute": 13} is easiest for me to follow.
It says {"hour": 2, "minute": 28}
